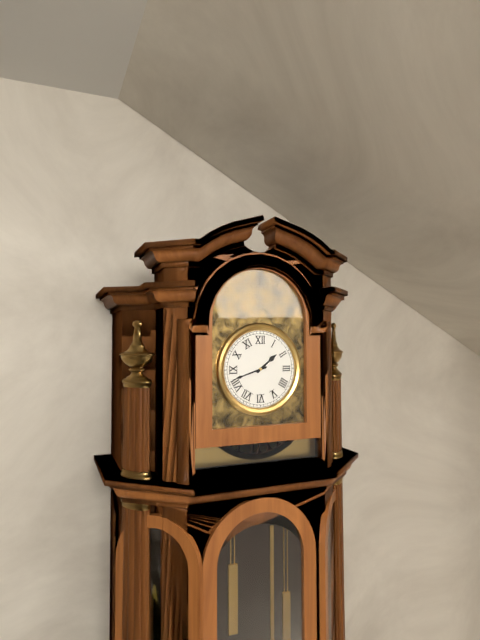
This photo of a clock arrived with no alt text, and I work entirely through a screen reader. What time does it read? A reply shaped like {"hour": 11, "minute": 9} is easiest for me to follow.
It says {"hour": 1, "minute": 42}
